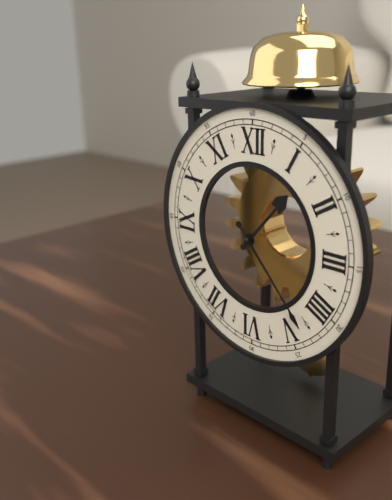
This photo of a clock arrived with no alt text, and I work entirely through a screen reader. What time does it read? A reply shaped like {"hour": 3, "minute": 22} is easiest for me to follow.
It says {"hour": 1, "minute": 23}
